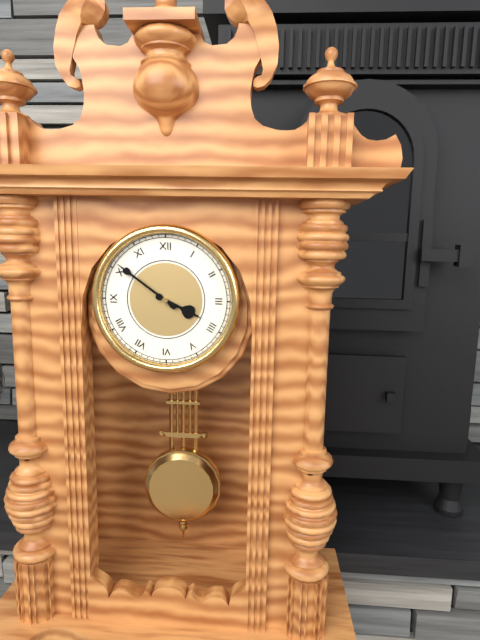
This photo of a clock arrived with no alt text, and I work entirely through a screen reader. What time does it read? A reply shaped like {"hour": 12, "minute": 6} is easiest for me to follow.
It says {"hour": 3, "minute": 51}
